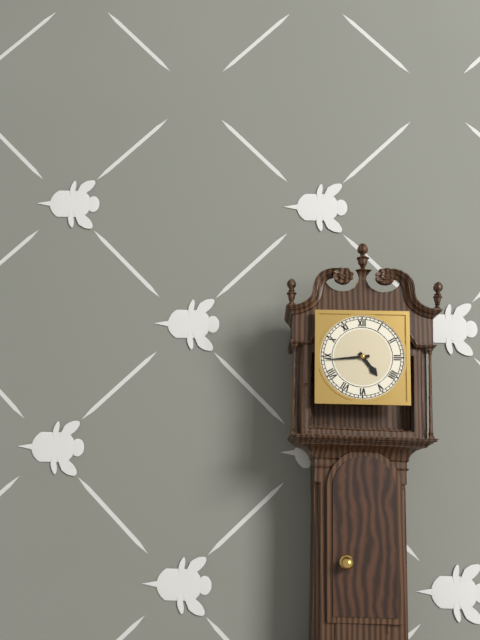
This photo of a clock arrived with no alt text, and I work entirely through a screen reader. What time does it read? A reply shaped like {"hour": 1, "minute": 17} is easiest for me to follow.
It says {"hour": 4, "minute": 44}
